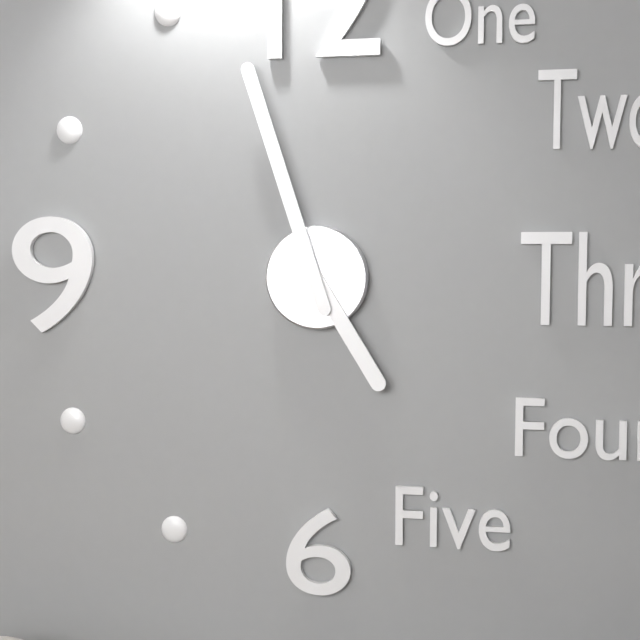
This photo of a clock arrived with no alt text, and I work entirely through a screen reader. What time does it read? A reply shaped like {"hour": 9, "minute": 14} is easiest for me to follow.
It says {"hour": 4, "minute": 57}
